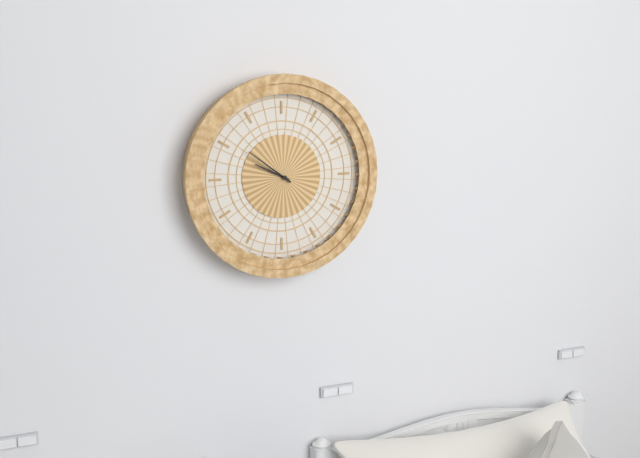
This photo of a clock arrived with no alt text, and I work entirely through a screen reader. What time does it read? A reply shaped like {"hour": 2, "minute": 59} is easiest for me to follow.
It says {"hour": 9, "minute": 51}
